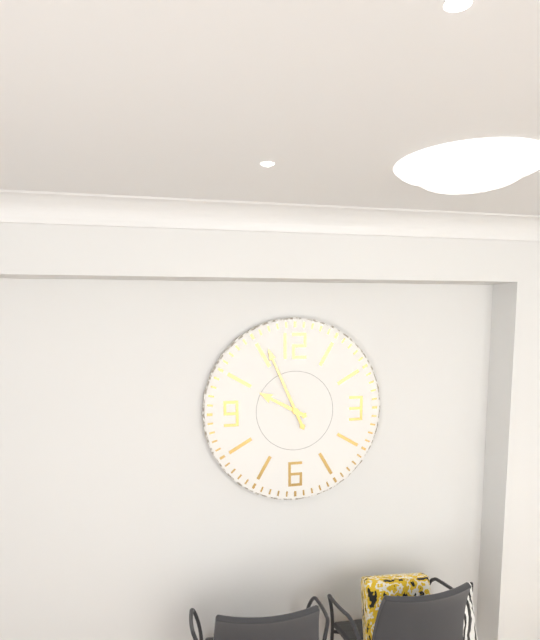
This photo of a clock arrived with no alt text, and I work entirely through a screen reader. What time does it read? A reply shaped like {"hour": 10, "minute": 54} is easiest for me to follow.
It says {"hour": 9, "minute": 56}
